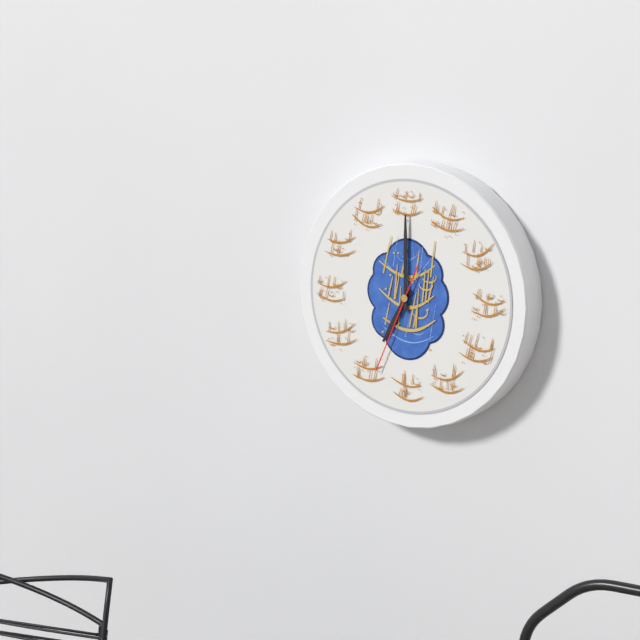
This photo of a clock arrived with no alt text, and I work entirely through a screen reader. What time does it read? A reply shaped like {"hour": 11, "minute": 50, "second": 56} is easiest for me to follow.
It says {"hour": 7, "minute": 0, "second": 34}
